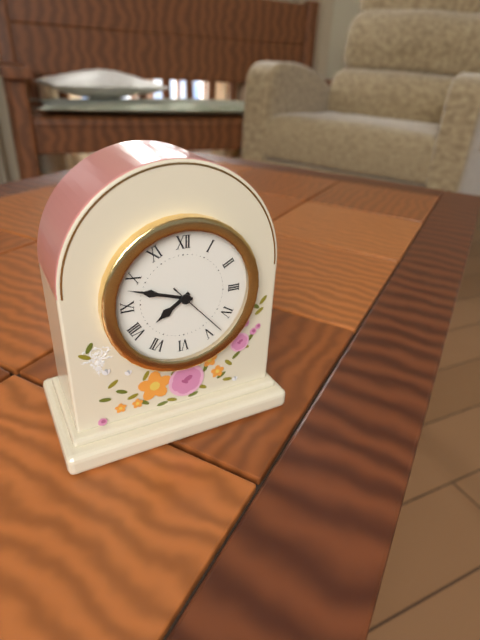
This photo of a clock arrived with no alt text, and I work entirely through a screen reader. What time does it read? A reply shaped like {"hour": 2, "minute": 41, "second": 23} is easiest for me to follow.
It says {"hour": 7, "minute": 48, "second": 23}
